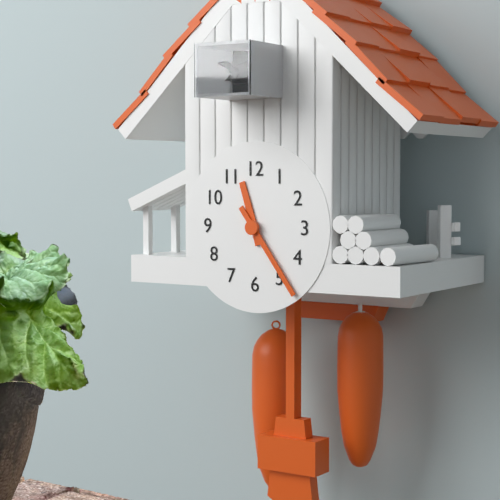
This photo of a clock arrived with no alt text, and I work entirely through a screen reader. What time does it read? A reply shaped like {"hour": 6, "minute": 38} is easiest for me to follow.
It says {"hour": 11, "minute": 24}
